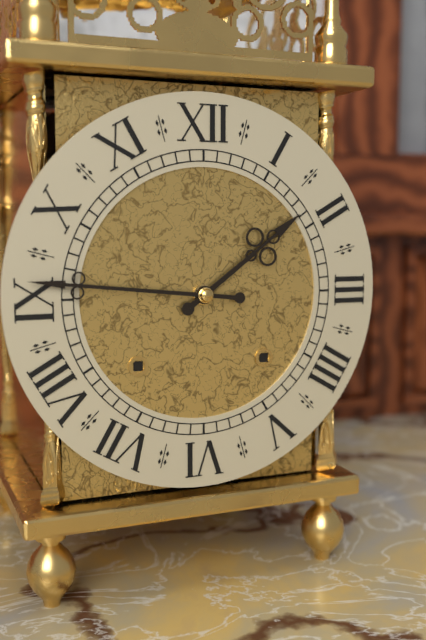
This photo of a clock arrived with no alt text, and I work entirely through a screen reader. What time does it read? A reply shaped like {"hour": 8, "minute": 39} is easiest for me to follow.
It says {"hour": 1, "minute": 46}
